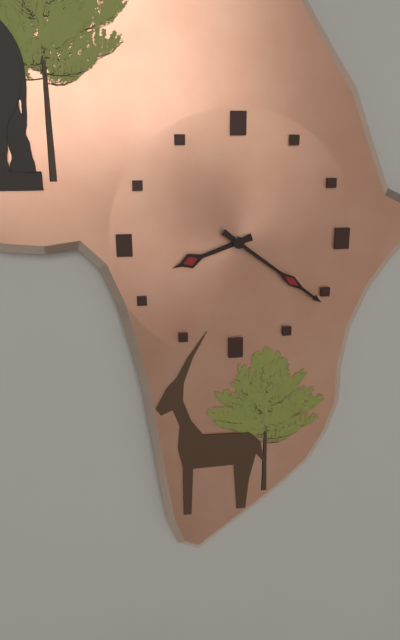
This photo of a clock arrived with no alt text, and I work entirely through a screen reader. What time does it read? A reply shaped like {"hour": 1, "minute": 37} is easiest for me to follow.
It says {"hour": 8, "minute": 21}
